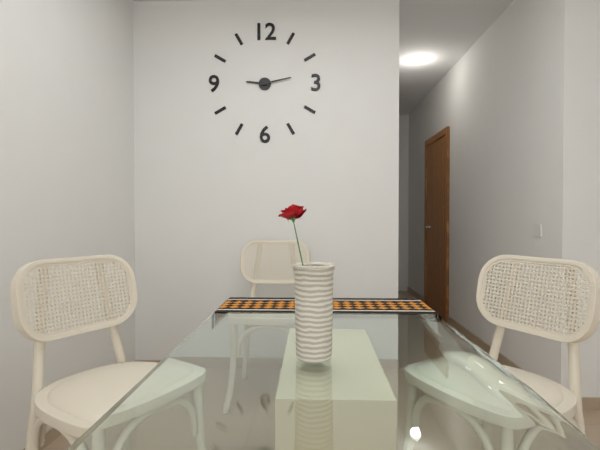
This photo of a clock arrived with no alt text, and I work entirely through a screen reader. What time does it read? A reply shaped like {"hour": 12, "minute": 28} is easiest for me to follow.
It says {"hour": 9, "minute": 13}
